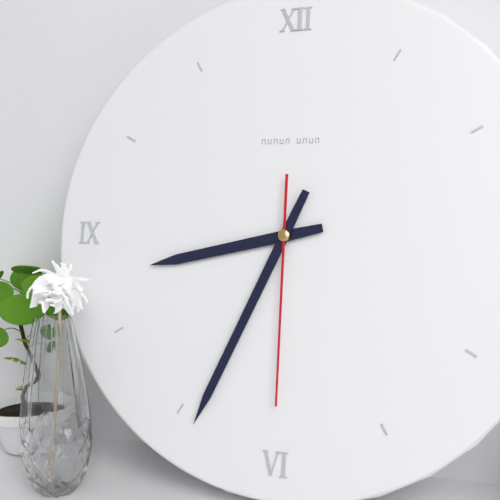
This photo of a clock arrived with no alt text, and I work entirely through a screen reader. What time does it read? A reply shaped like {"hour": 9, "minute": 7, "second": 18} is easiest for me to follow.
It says {"hour": 8, "minute": 34, "second": 30}
